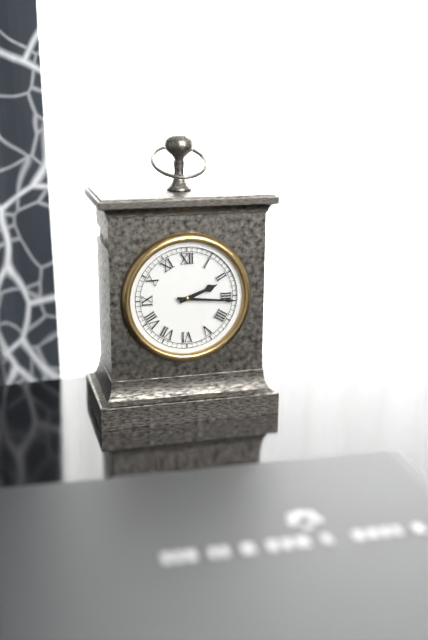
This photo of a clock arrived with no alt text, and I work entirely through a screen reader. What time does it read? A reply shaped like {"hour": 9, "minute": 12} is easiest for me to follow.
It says {"hour": 2, "minute": 16}
